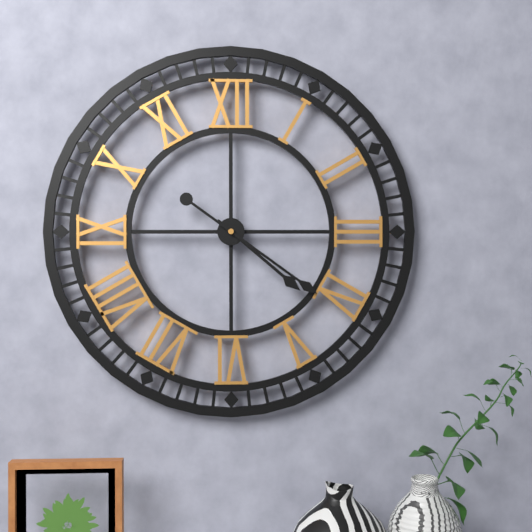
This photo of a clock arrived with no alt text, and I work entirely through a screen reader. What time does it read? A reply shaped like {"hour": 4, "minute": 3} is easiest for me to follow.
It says {"hour": 4, "minute": 21}
